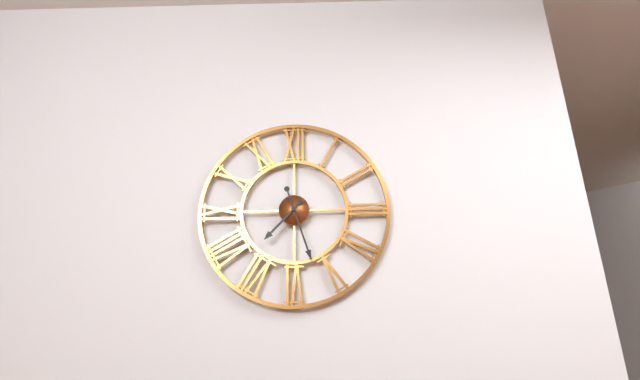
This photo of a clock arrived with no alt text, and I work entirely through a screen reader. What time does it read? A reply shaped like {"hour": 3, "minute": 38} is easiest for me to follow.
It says {"hour": 7, "minute": 27}
